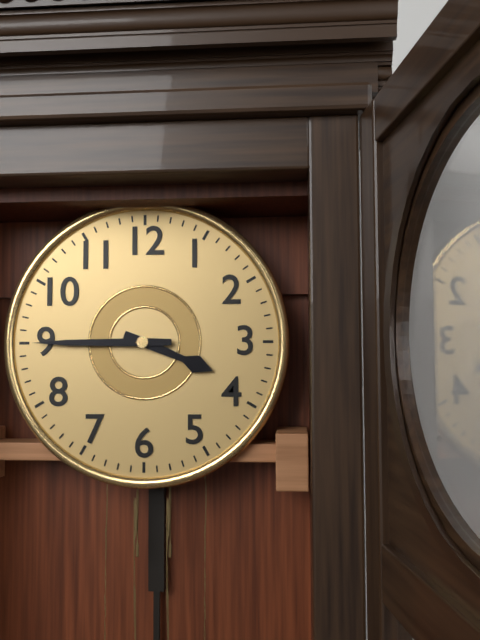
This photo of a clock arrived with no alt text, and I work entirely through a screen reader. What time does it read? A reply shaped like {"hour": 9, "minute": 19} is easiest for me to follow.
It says {"hour": 3, "minute": 45}
